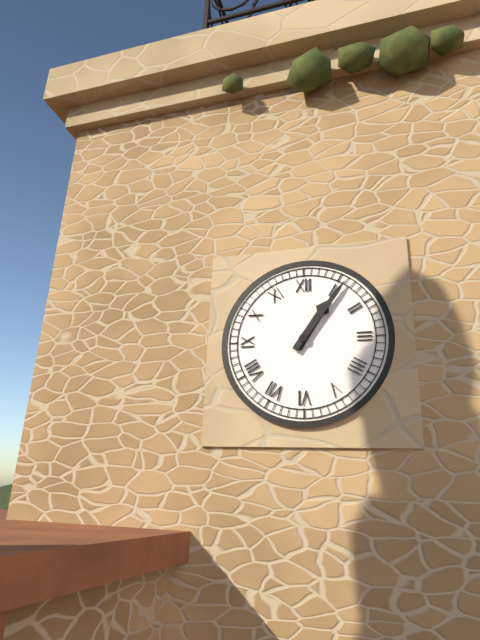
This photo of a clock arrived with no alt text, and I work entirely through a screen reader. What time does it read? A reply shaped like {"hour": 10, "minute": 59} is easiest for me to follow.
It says {"hour": 1, "minute": 6}
